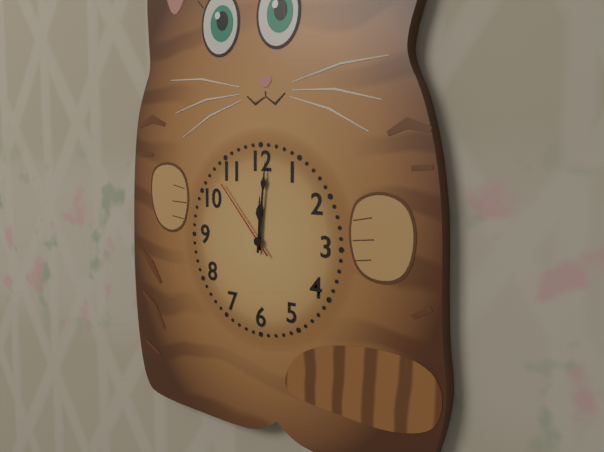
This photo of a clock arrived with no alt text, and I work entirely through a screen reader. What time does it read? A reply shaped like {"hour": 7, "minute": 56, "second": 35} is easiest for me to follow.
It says {"hour": 12, "minute": 1, "second": 53}
